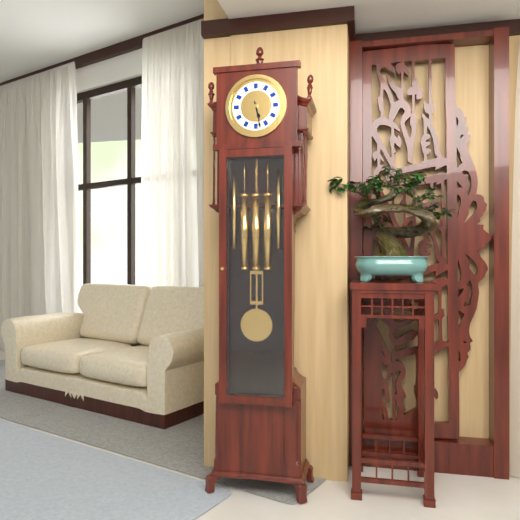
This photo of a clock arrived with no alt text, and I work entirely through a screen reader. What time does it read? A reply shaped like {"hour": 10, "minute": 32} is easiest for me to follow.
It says {"hour": 5, "minute": 28}
